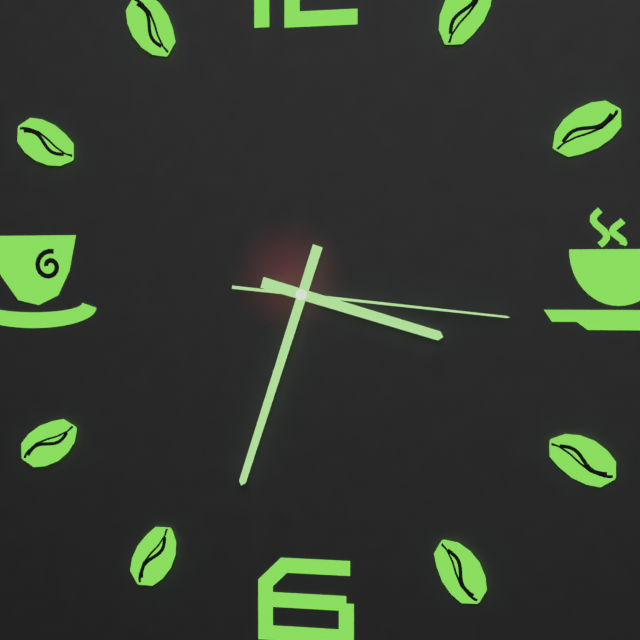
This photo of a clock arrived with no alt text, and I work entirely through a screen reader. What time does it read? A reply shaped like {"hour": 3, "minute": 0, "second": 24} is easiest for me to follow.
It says {"hour": 3, "minute": 33, "second": 16}
